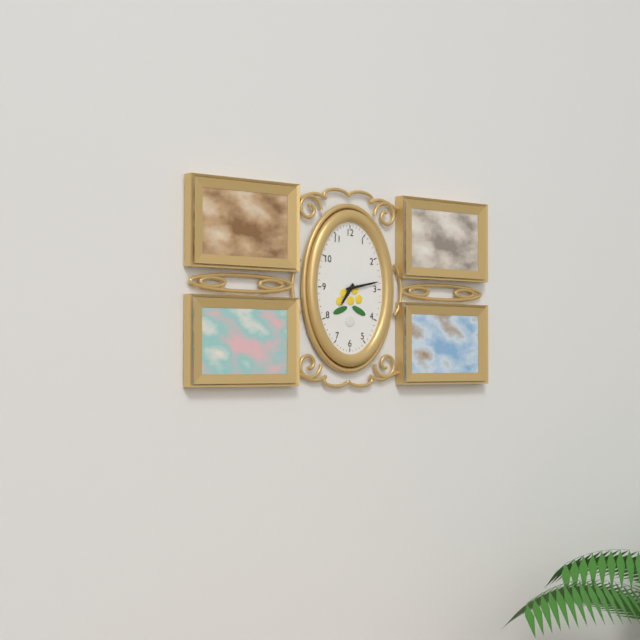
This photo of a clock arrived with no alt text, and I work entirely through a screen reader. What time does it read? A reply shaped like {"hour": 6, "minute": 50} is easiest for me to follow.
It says {"hour": 7, "minute": 13}
